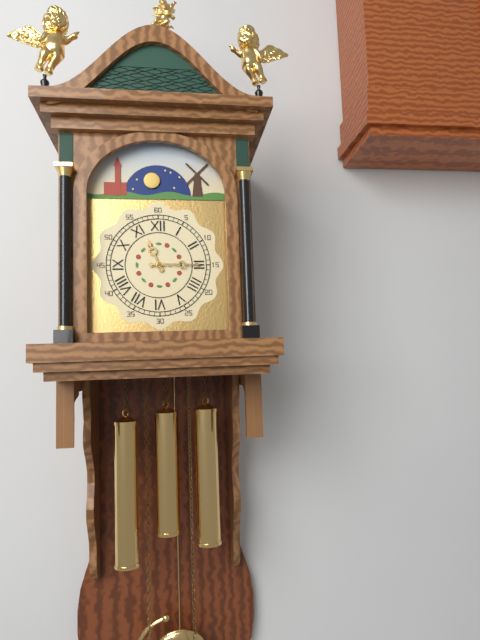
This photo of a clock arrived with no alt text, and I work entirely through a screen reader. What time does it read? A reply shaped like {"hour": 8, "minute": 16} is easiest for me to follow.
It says {"hour": 11, "minute": 15}
